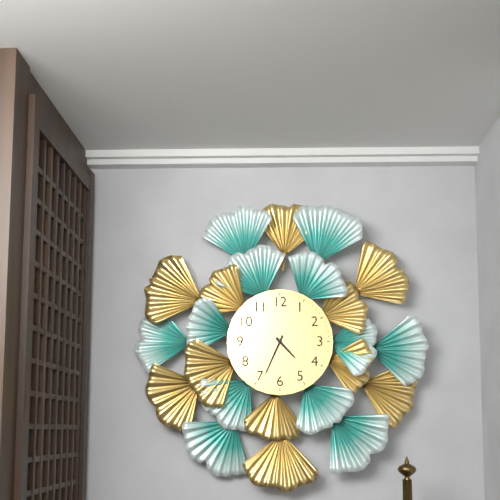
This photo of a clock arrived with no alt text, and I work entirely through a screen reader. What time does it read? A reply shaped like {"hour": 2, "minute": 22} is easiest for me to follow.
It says {"hour": 4, "minute": 34}
